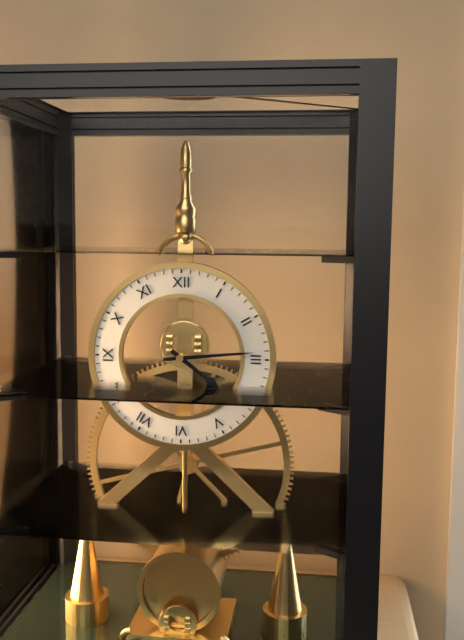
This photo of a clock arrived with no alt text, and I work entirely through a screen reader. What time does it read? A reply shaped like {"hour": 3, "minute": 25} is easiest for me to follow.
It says {"hour": 4, "minute": 14}
